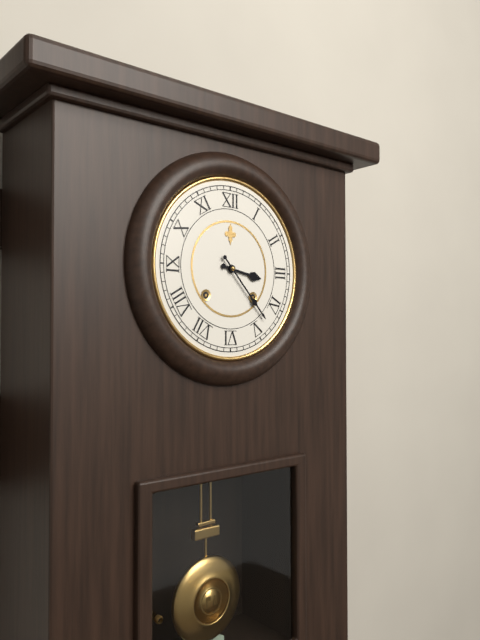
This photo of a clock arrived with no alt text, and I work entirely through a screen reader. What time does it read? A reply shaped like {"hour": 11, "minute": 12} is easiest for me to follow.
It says {"hour": 3, "minute": 23}
